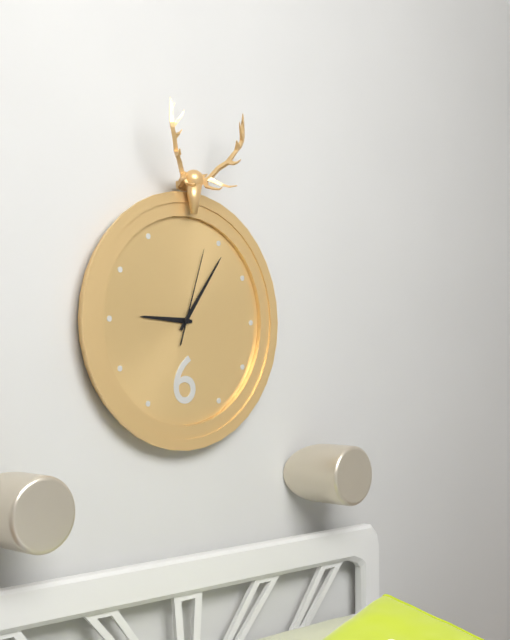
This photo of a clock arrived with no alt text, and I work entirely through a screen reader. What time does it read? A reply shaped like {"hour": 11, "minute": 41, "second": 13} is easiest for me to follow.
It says {"hour": 9, "minute": 6, "second": 3}
